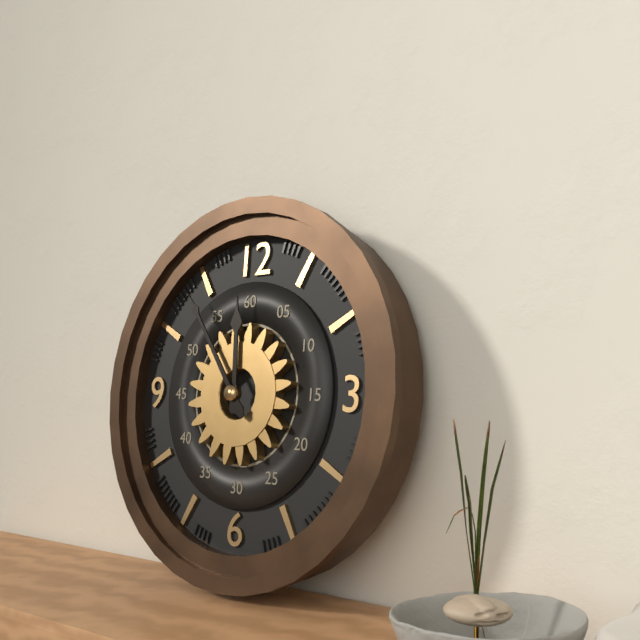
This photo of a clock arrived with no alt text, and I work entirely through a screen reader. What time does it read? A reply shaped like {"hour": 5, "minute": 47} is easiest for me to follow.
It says {"hour": 11, "minute": 54}
